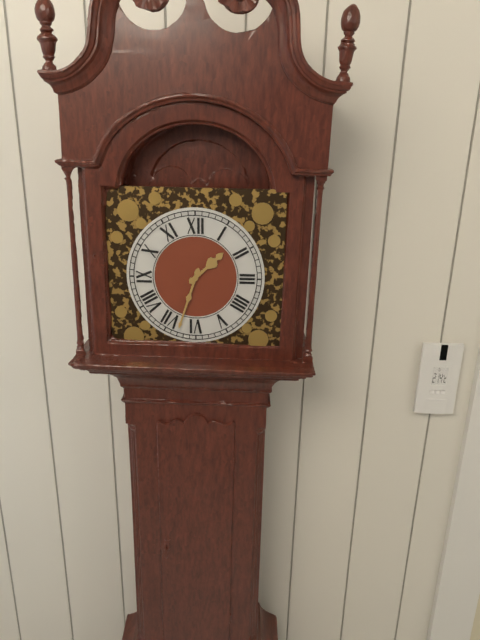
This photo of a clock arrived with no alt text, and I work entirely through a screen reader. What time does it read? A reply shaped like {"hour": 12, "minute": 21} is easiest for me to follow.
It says {"hour": 1, "minute": 33}
